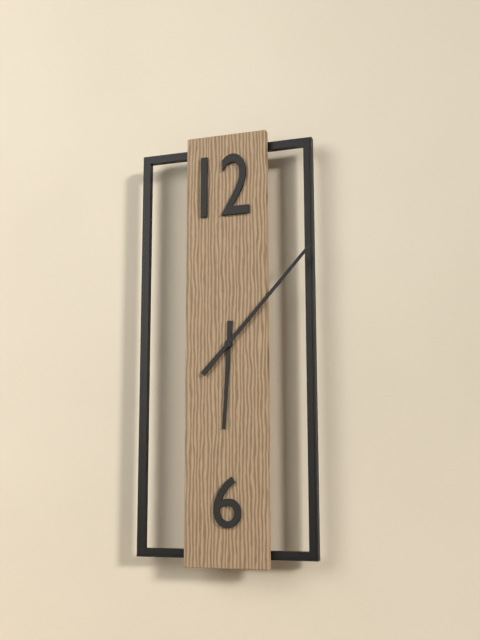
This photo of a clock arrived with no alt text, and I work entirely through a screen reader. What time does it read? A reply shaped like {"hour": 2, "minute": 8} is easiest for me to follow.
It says {"hour": 6, "minute": 7}
